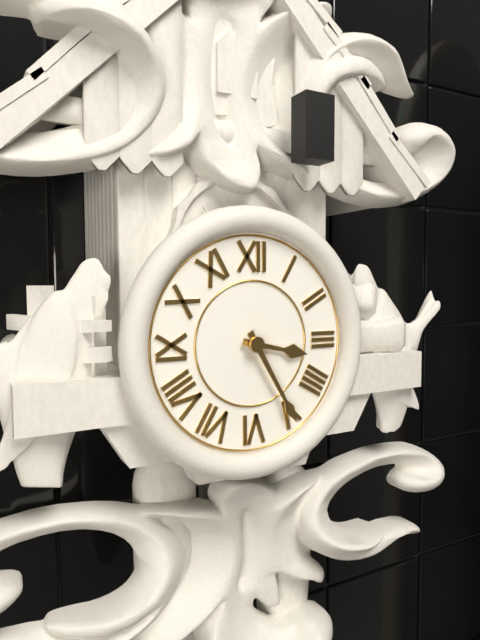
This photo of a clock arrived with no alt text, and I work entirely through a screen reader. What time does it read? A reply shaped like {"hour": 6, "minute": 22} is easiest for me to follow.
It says {"hour": 3, "minute": 25}
